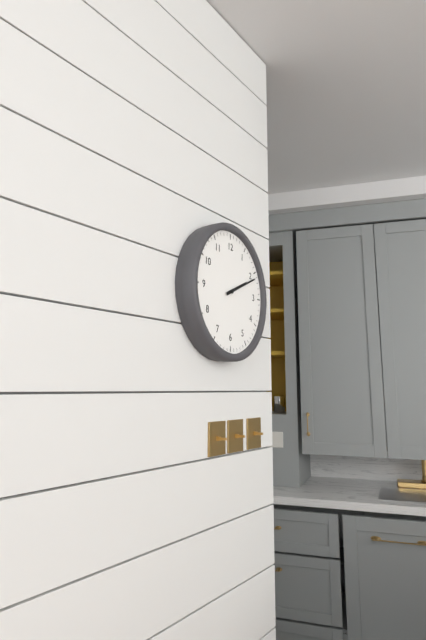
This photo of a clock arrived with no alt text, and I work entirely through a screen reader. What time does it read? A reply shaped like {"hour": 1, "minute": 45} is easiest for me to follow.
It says {"hour": 2, "minute": 11}
